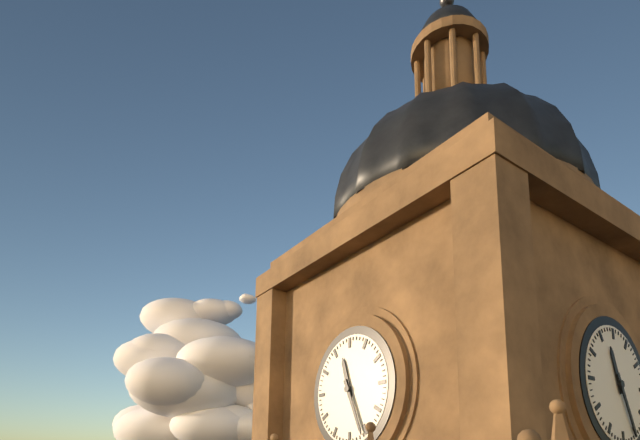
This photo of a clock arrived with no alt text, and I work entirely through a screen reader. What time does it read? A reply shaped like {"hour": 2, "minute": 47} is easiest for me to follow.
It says {"hour": 11, "minute": 26}
